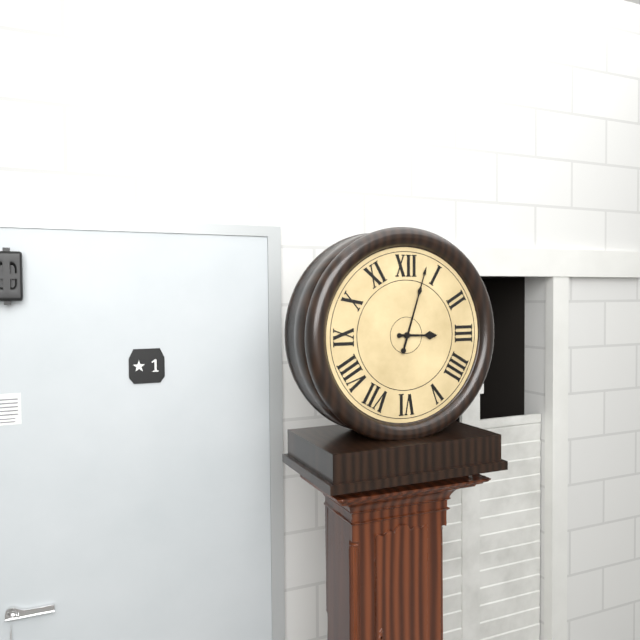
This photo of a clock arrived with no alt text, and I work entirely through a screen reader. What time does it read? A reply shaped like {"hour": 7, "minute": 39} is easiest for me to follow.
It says {"hour": 3, "minute": 3}
